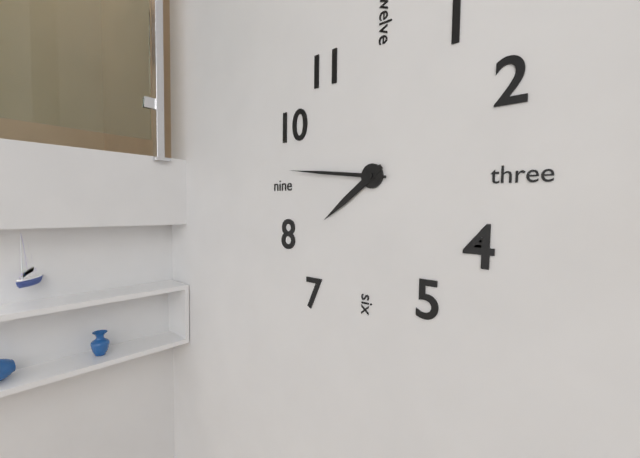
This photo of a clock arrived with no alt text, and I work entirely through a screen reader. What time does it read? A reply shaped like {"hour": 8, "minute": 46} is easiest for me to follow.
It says {"hour": 7, "minute": 46}
